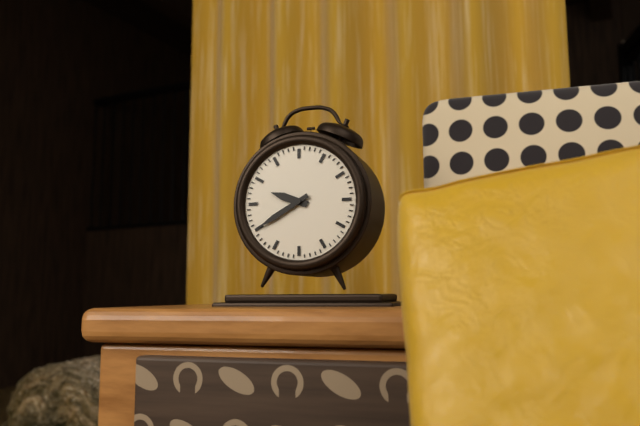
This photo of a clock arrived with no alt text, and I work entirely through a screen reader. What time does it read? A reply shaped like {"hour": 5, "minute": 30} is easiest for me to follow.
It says {"hour": 9, "minute": 40}
